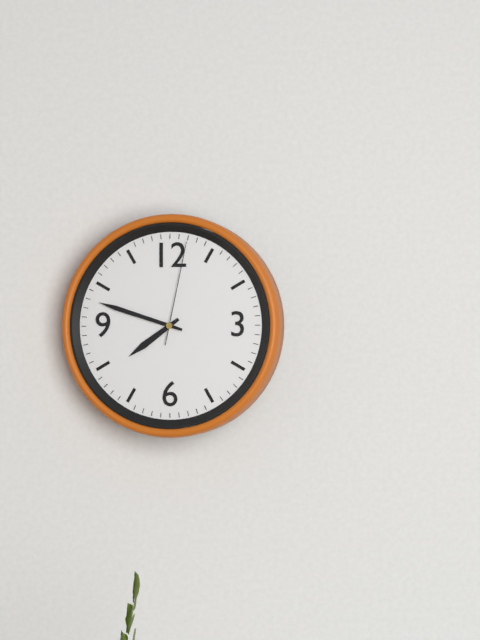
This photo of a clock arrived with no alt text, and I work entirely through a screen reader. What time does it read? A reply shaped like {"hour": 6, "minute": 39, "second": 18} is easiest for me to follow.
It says {"hour": 7, "minute": 48, "second": 2}
